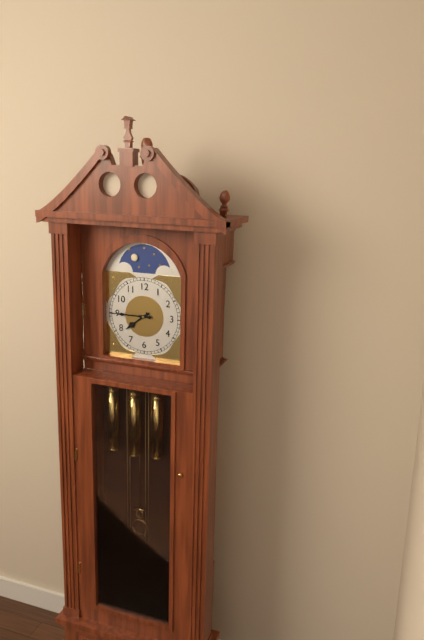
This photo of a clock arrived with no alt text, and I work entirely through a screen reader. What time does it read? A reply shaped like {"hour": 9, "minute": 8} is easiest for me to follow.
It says {"hour": 7, "minute": 45}
